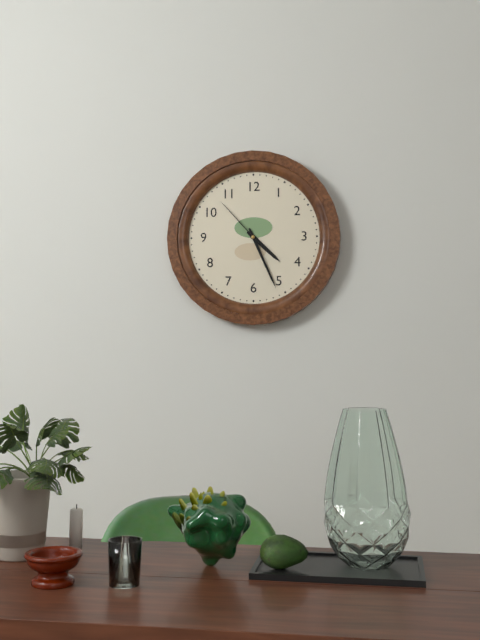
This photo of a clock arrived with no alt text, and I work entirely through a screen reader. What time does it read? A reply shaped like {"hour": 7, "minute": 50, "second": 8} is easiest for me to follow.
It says {"hour": 4, "minute": 26, "second": 53}
